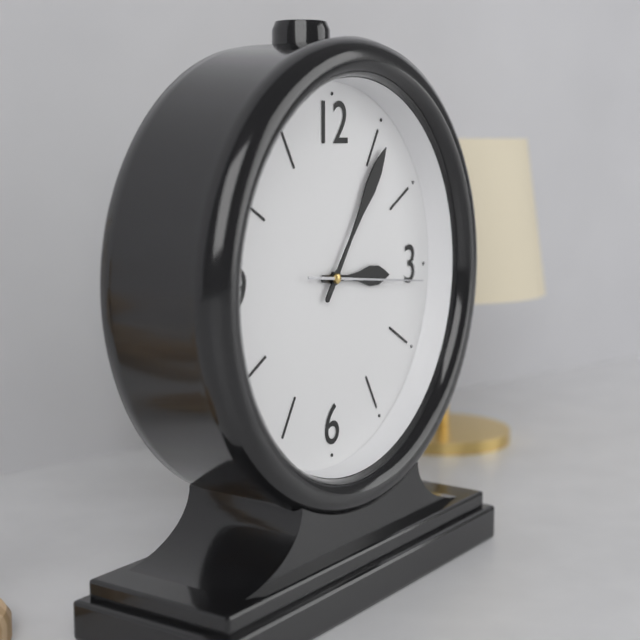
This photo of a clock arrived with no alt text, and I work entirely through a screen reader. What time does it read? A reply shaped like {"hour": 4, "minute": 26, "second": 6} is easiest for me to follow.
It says {"hour": 3, "minute": 6, "second": 16}
